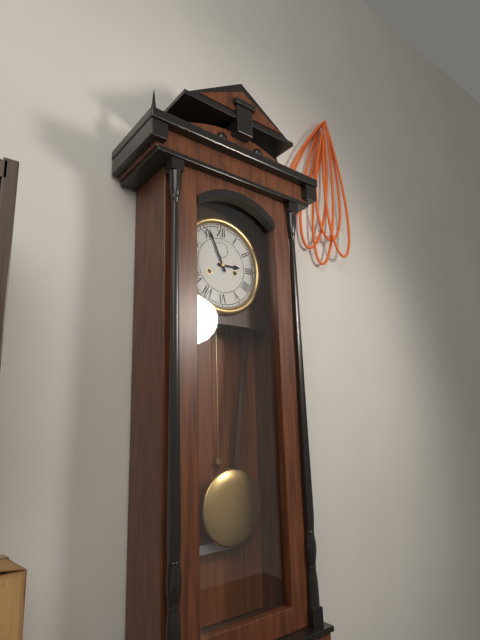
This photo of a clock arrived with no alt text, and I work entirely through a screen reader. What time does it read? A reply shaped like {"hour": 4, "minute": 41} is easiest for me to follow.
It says {"hour": 2, "minute": 56}
